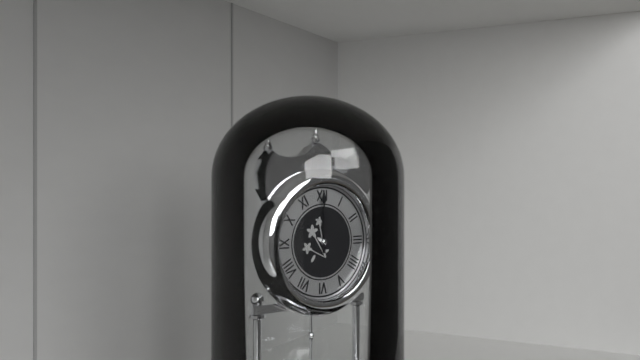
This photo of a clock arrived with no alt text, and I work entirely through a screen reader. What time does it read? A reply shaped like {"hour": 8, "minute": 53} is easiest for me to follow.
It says {"hour": 12, "minute": 0}
